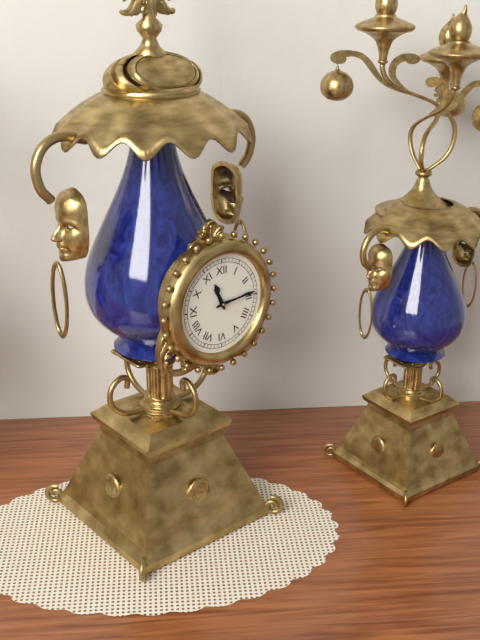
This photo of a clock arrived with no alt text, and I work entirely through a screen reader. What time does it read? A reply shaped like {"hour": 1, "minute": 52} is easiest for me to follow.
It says {"hour": 11, "minute": 14}
